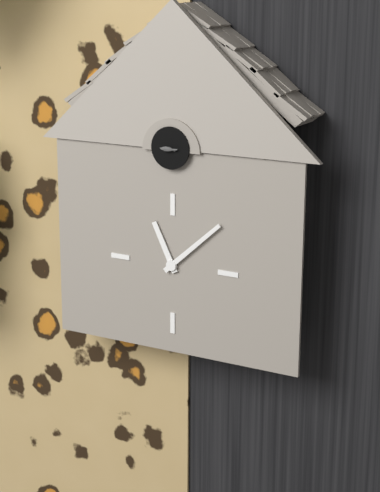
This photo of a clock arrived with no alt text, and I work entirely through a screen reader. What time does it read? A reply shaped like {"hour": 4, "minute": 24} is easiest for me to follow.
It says {"hour": 11, "minute": 8}
